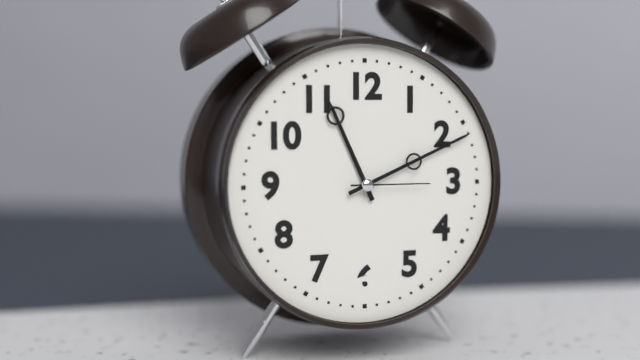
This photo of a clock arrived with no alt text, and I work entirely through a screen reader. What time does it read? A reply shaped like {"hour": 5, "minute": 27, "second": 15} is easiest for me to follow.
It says {"hour": 11, "minute": 11, "second": 15}
